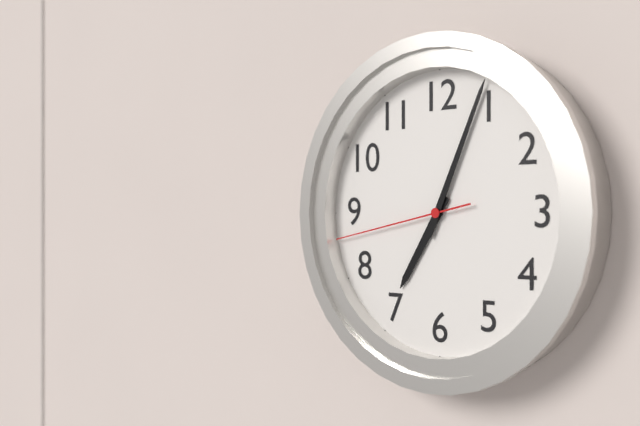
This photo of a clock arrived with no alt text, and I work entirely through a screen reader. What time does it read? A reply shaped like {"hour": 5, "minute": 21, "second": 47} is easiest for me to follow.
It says {"hour": 7, "minute": 4, "second": 43}
